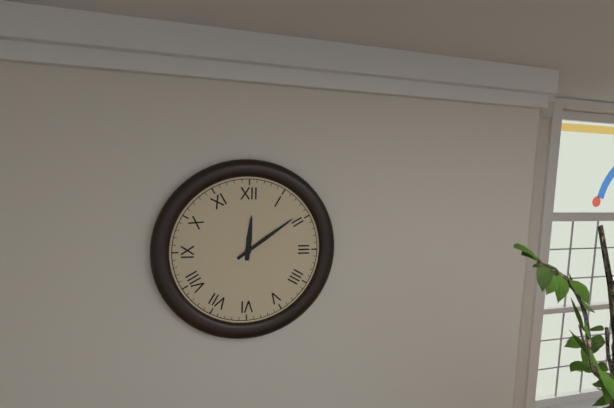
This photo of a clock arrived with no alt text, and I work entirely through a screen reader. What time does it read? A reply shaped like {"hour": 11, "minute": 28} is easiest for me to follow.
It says {"hour": 12, "minute": 9}
